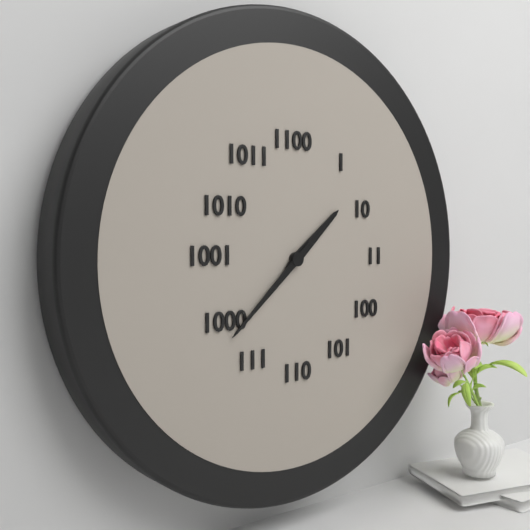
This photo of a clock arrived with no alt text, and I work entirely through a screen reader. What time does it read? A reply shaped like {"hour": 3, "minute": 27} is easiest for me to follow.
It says {"hour": 1, "minute": 38}
